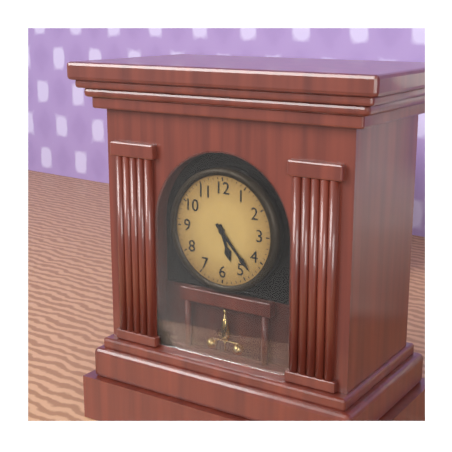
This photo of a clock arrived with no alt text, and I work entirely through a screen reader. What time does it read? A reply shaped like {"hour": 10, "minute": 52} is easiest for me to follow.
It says {"hour": 5, "minute": 23}
